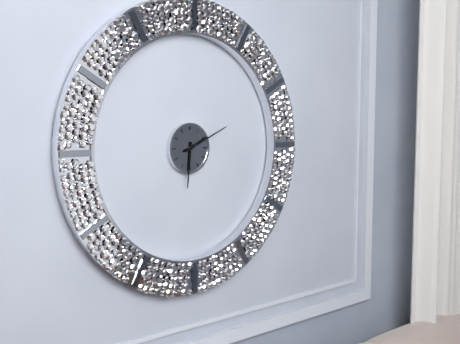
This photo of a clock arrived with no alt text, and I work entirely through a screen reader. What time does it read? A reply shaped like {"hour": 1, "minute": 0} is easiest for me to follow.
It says {"hour": 6, "minute": 11}
